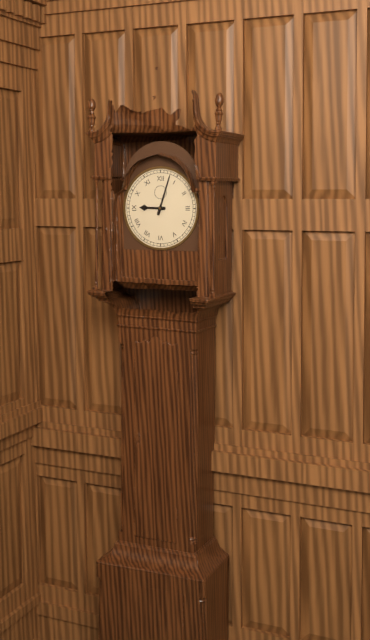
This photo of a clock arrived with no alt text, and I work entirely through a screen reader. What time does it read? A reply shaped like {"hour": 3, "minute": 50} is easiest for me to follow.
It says {"hour": 9, "minute": 3}
